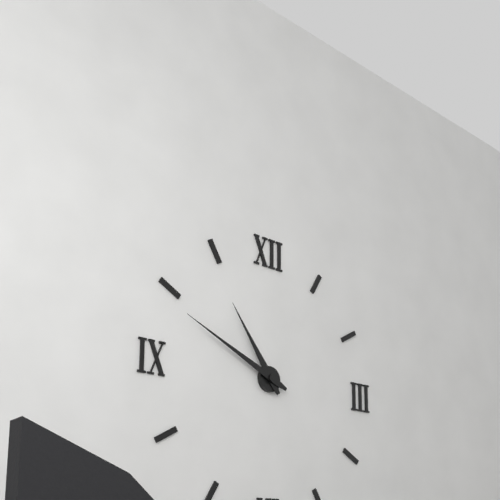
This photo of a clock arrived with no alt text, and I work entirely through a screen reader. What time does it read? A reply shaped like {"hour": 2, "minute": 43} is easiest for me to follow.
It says {"hour": 10, "minute": 49}
